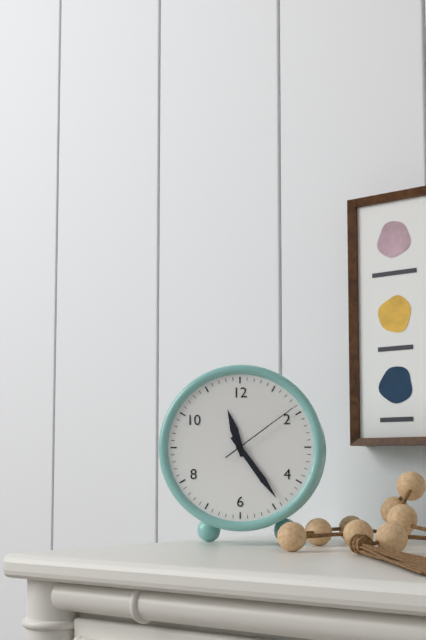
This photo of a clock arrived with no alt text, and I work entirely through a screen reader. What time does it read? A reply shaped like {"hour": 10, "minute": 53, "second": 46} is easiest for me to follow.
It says {"hour": 11, "minute": 24, "second": 9}
